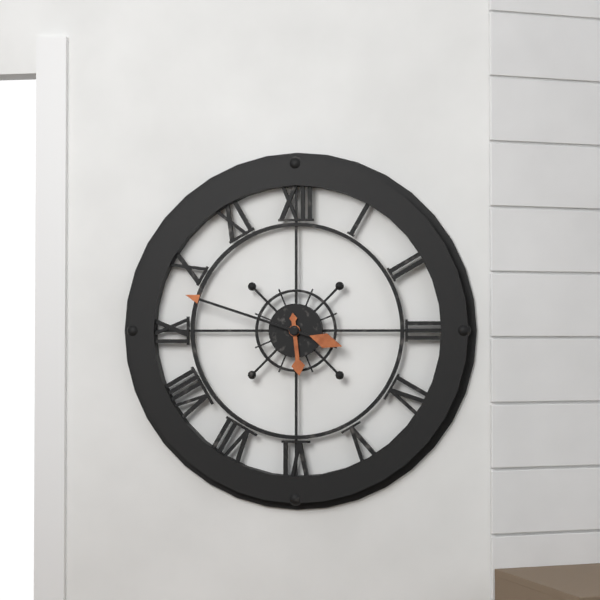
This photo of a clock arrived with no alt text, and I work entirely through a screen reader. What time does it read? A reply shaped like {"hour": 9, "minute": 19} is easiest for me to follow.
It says {"hour": 5, "minute": 48}
